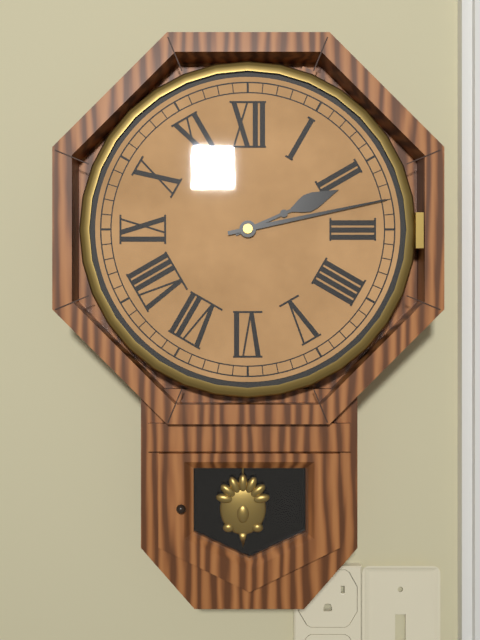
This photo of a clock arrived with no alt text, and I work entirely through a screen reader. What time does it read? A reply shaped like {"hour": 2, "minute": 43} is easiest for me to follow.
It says {"hour": 2, "minute": 13}
